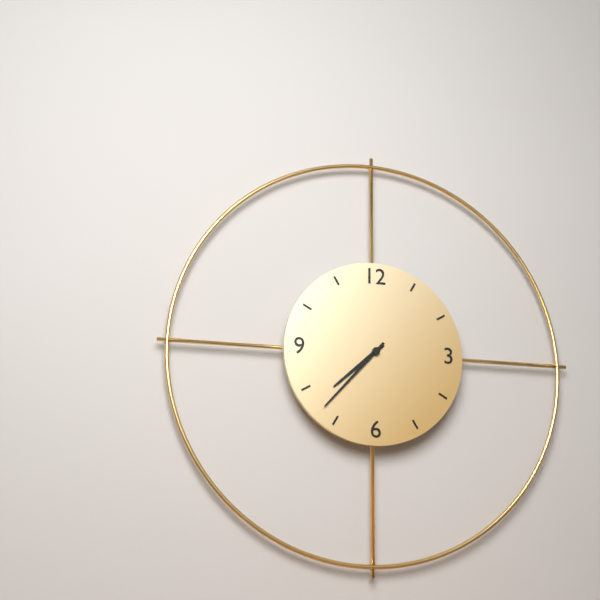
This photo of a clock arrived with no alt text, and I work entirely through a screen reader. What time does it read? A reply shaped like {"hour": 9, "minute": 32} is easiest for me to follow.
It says {"hour": 7, "minute": 37}
